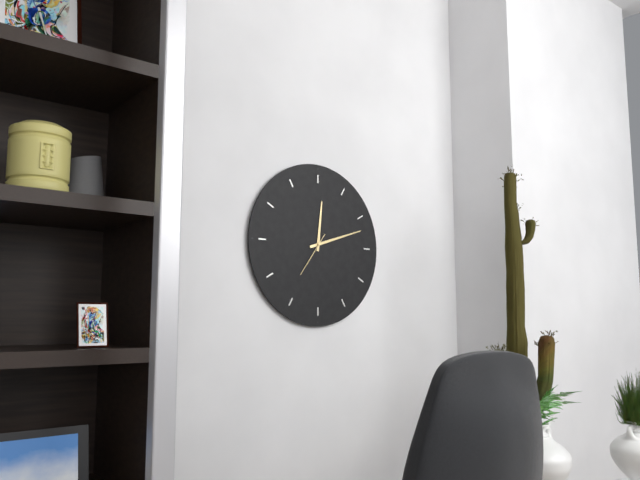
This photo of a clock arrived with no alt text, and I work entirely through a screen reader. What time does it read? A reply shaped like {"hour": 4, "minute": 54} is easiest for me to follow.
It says {"hour": 12, "minute": 12}
